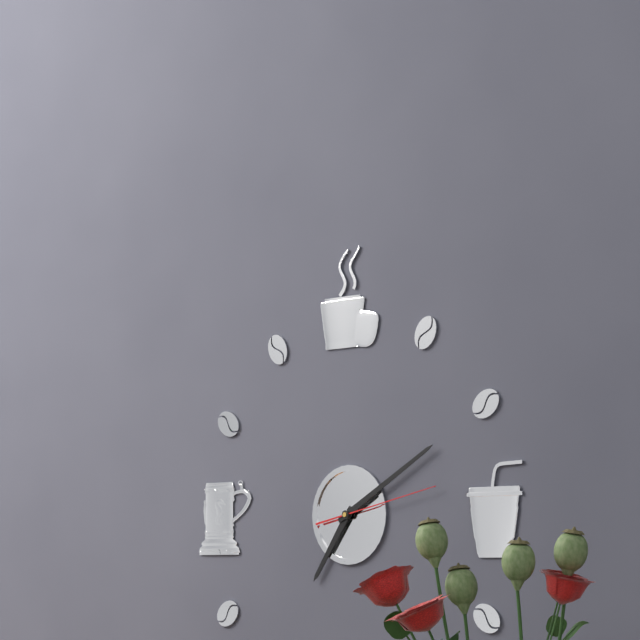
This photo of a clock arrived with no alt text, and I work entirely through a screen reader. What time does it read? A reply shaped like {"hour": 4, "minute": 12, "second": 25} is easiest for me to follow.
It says {"hour": 7, "minute": 10, "second": 13}
